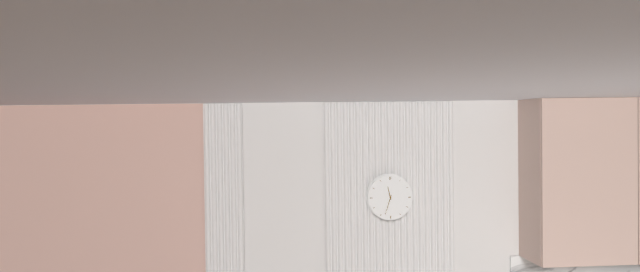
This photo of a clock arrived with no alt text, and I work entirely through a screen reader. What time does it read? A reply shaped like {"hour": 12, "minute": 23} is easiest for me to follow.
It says {"hour": 11, "minute": 33}
